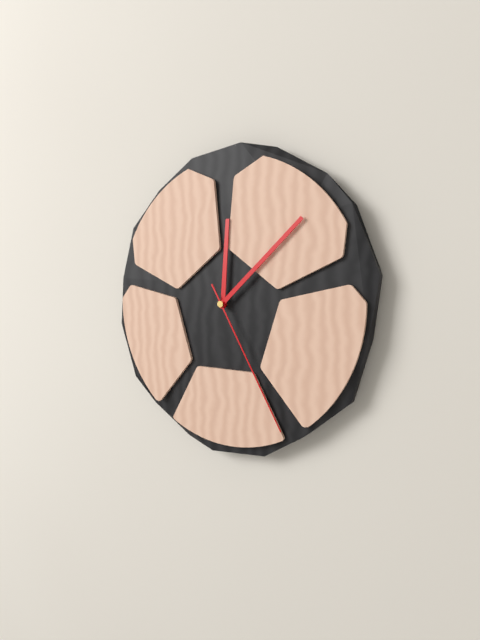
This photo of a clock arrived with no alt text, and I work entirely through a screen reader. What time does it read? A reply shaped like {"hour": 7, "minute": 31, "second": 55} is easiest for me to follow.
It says {"hour": 12, "minute": 8, "second": 25}
